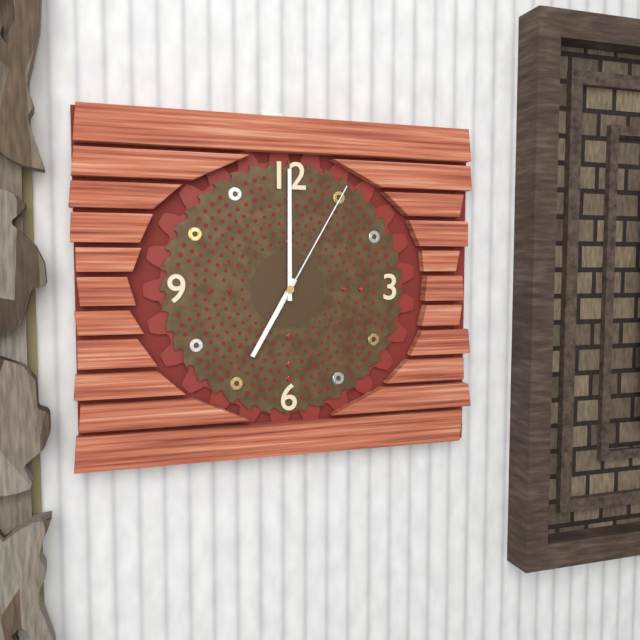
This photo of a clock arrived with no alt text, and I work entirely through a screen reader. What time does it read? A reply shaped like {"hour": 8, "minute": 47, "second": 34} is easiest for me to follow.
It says {"hour": 7, "minute": 0, "second": 5}
